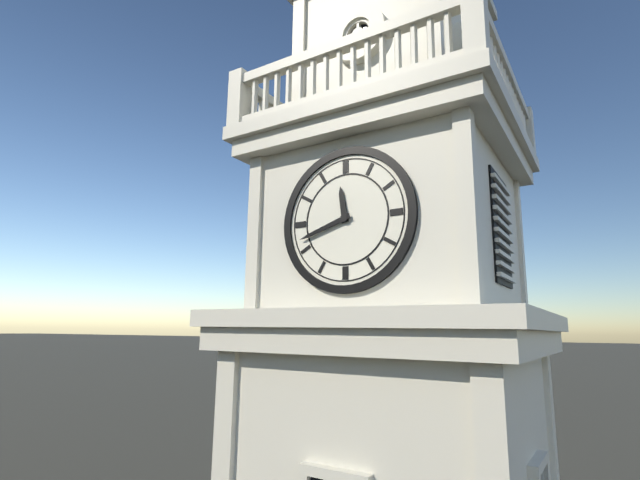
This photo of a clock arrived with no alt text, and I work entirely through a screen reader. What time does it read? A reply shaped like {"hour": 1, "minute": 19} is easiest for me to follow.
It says {"hour": 11, "minute": 42}
